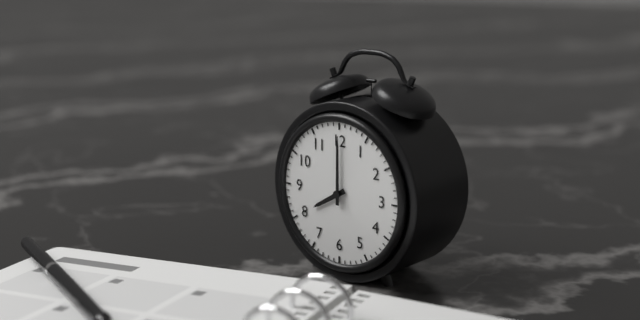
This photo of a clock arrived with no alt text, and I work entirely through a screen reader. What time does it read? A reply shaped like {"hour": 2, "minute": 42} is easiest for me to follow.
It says {"hour": 8, "minute": 0}
